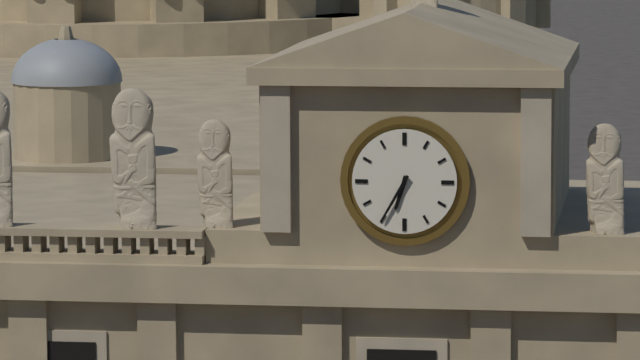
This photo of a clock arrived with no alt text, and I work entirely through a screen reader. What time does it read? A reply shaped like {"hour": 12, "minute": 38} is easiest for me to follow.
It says {"hour": 6, "minute": 35}
